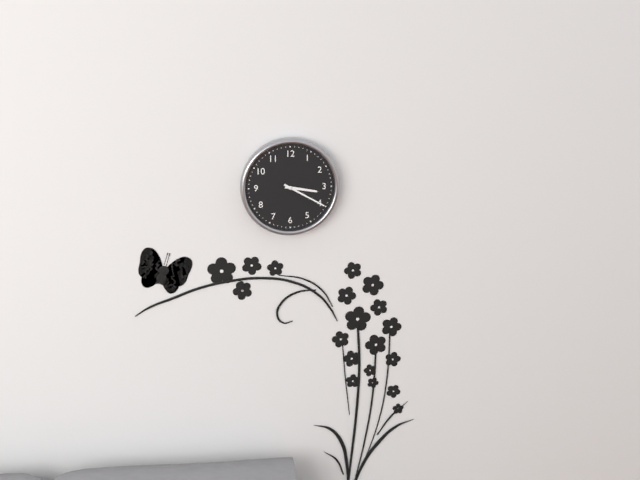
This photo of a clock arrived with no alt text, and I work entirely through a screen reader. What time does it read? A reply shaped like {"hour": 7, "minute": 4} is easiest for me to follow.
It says {"hour": 3, "minute": 20}
